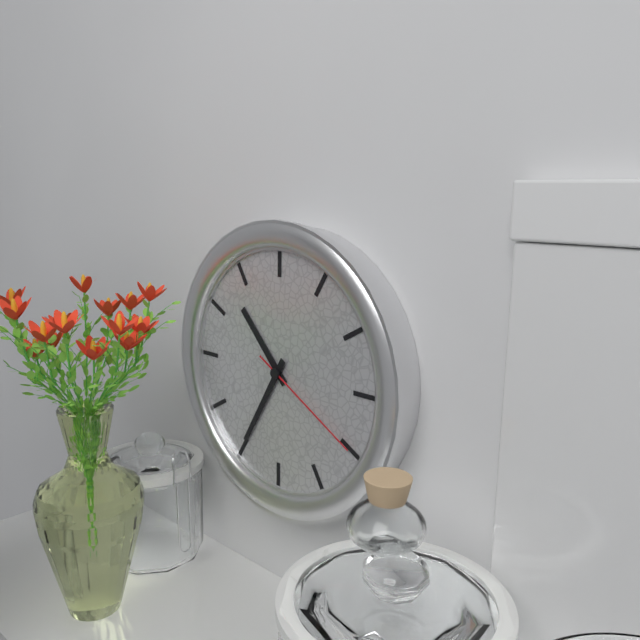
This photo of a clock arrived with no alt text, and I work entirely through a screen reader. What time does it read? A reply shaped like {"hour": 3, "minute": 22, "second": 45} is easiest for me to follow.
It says {"hour": 10, "minute": 35, "second": 20}
